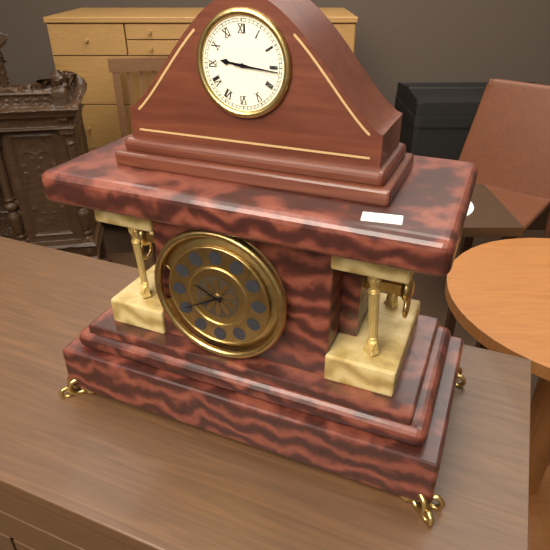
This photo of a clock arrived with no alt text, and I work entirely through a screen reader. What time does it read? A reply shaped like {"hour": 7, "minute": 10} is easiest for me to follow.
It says {"hour": 9, "minute": 16}
